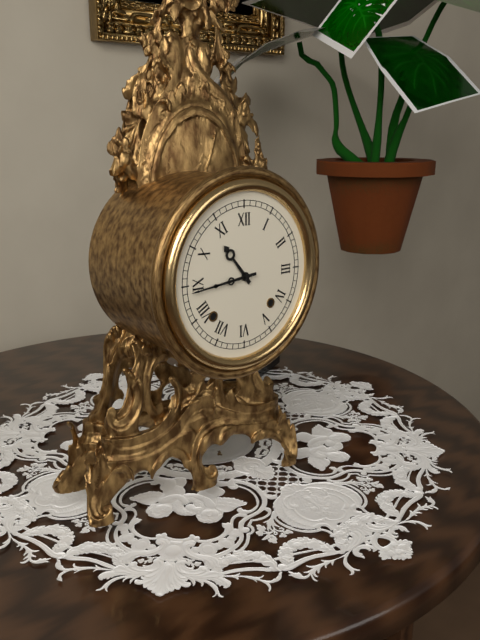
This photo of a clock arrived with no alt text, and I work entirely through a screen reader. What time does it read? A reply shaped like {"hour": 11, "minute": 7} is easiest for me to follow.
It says {"hour": 10, "minute": 44}
